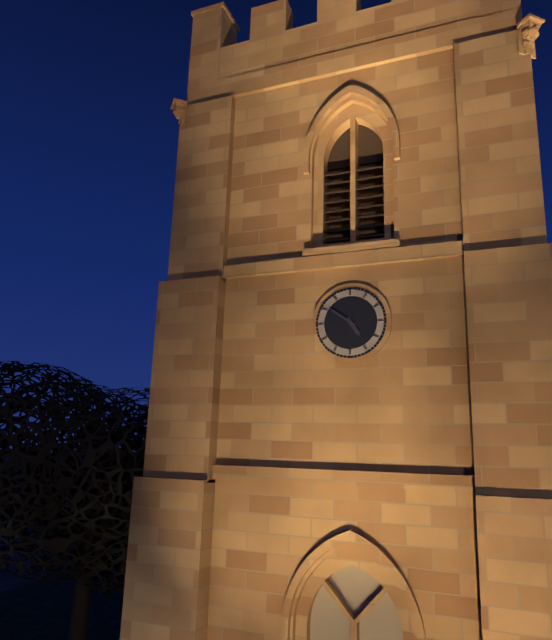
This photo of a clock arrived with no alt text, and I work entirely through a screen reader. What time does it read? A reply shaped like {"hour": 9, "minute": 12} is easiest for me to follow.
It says {"hour": 4, "minute": 51}
